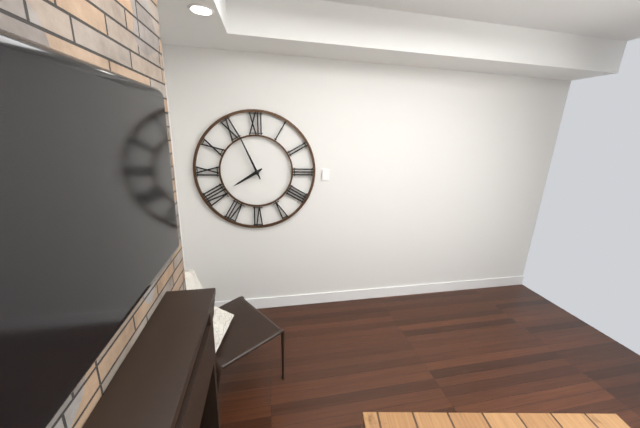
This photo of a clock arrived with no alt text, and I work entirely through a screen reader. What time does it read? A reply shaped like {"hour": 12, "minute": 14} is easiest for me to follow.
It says {"hour": 7, "minute": 56}
